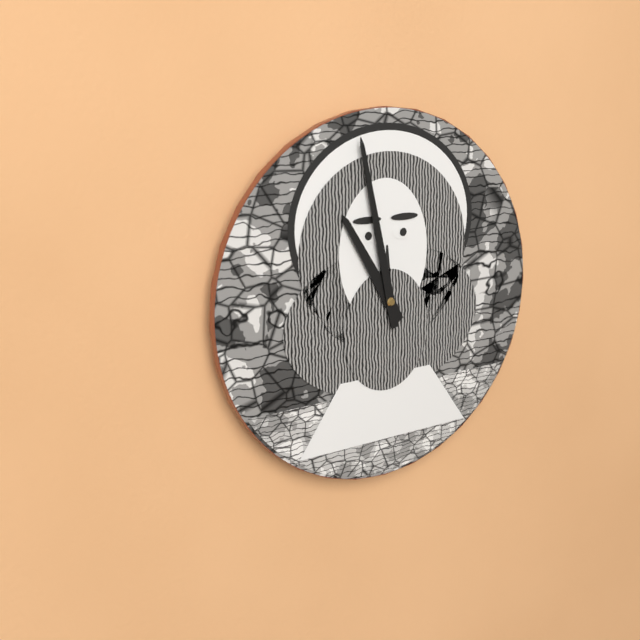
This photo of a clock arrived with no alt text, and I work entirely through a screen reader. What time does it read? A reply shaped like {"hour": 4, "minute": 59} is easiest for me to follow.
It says {"hour": 10, "minute": 58}
